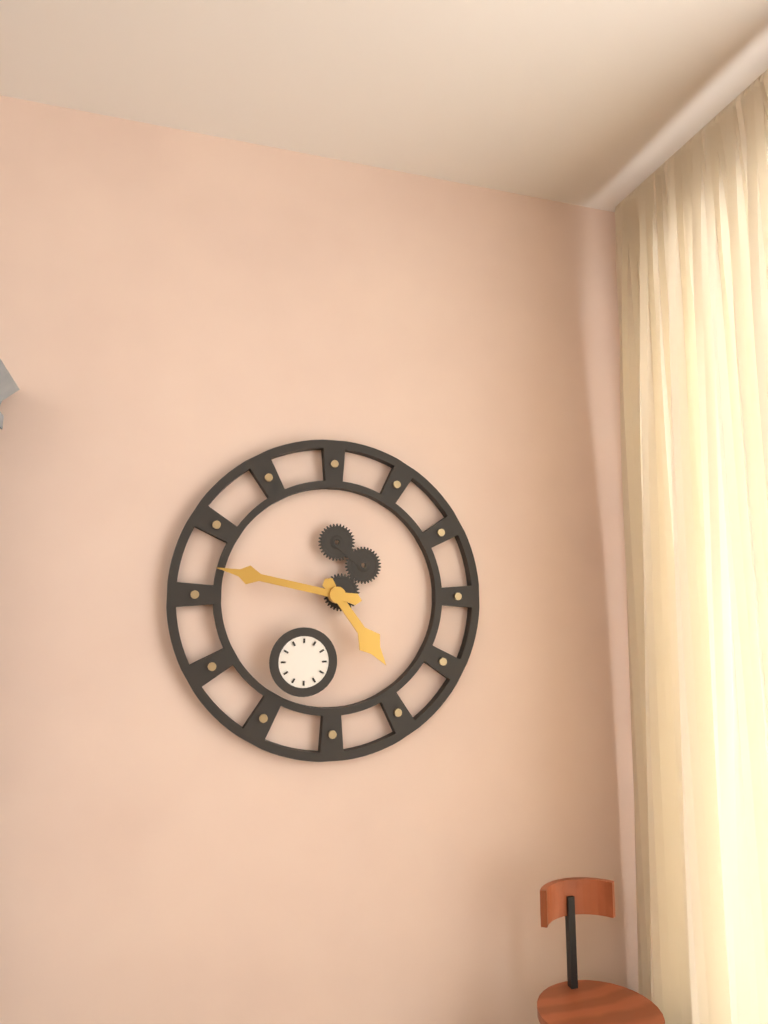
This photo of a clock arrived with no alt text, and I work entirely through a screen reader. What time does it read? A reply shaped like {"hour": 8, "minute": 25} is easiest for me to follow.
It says {"hour": 4, "minute": 47}
